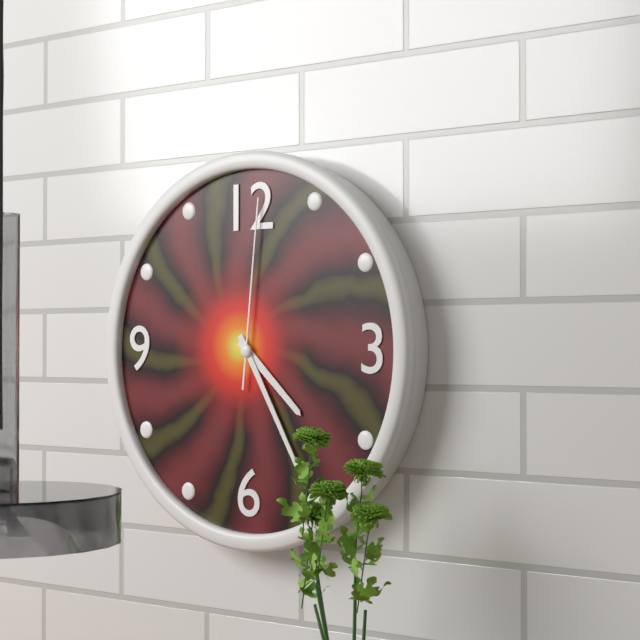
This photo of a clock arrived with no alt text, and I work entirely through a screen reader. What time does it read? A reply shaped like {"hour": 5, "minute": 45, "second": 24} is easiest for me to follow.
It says {"hour": 4, "minute": 25, "second": 1}
